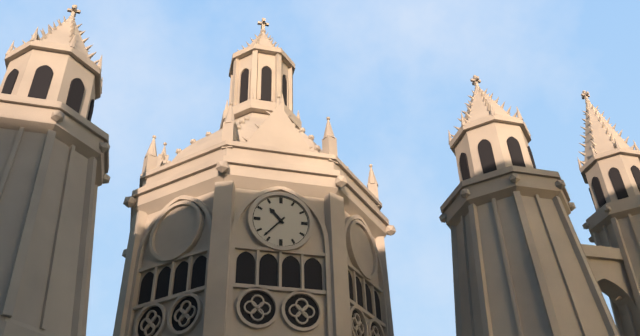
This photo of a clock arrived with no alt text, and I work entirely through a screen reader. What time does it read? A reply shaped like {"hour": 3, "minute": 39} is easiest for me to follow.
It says {"hour": 10, "minute": 37}
